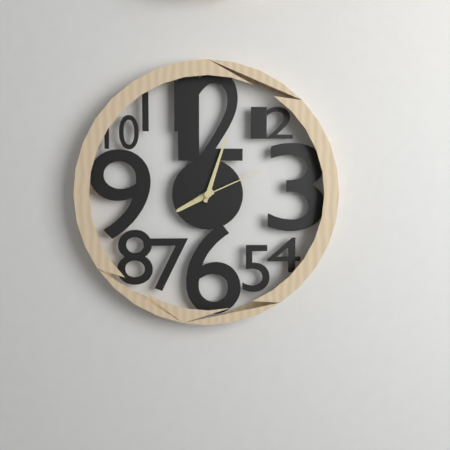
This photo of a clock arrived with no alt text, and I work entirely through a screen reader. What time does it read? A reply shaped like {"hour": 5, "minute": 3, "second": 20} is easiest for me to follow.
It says {"hour": 8, "minute": 3, "second": 11}
